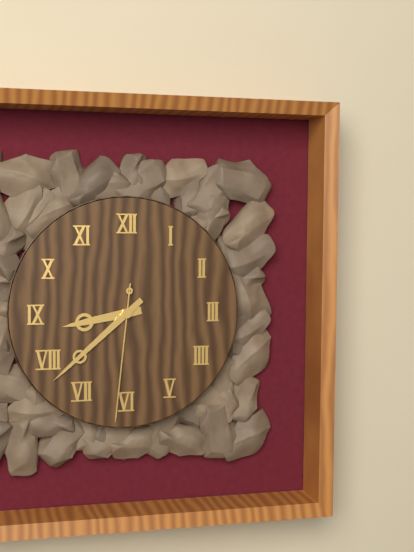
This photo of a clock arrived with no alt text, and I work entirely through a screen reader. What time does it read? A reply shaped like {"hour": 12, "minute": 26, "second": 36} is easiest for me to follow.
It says {"hour": 8, "minute": 38, "second": 31}
